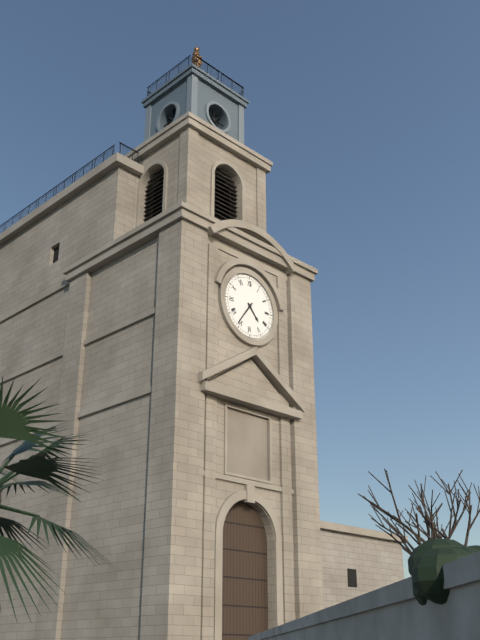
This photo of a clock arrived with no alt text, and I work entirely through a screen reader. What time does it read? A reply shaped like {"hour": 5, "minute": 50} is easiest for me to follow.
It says {"hour": 4, "minute": 36}
